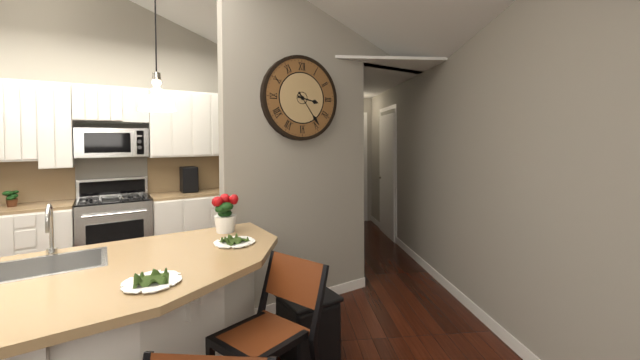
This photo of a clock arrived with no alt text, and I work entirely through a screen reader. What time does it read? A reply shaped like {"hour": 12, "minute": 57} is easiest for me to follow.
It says {"hour": 3, "minute": 24}
